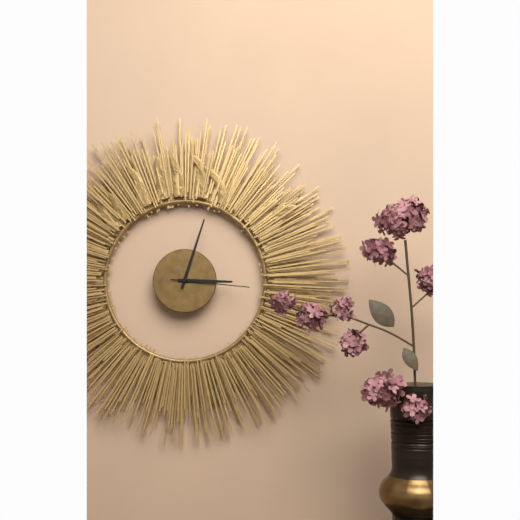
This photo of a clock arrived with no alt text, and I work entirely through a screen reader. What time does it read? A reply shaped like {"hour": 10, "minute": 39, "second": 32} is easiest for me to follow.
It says {"hour": 3, "minute": 3, "second": 16}
